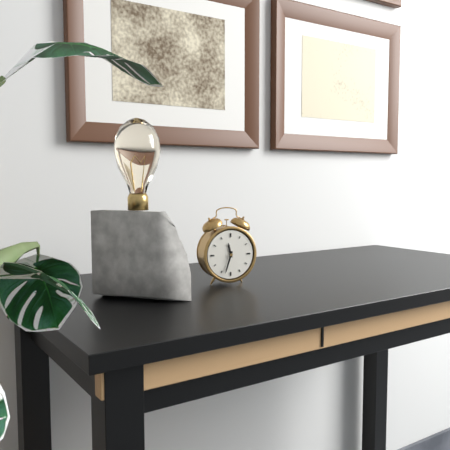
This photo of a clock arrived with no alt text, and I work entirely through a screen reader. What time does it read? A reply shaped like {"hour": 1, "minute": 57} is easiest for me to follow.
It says {"hour": 11, "minute": 33}
